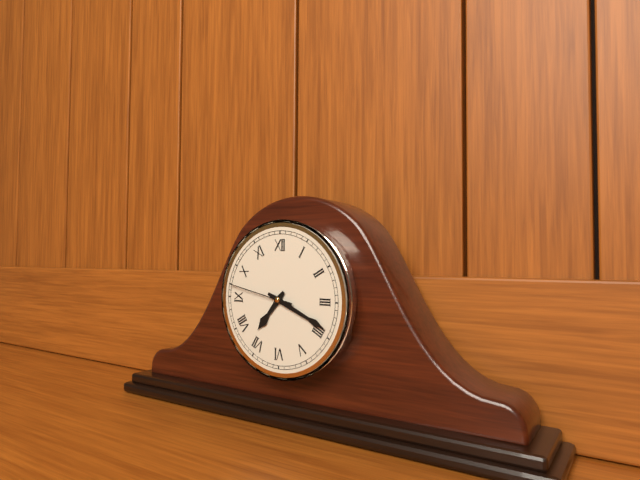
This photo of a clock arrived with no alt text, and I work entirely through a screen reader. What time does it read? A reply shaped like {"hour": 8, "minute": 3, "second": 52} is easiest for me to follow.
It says {"hour": 7, "minute": 19, "second": 47}
